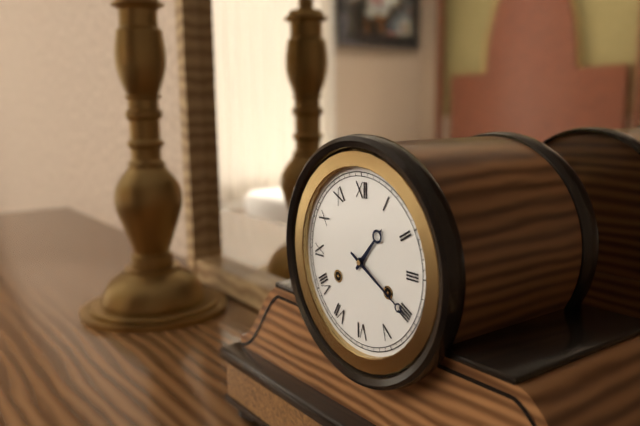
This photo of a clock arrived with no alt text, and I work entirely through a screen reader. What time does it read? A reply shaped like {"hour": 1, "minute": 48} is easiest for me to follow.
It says {"hour": 1, "minute": 20}
